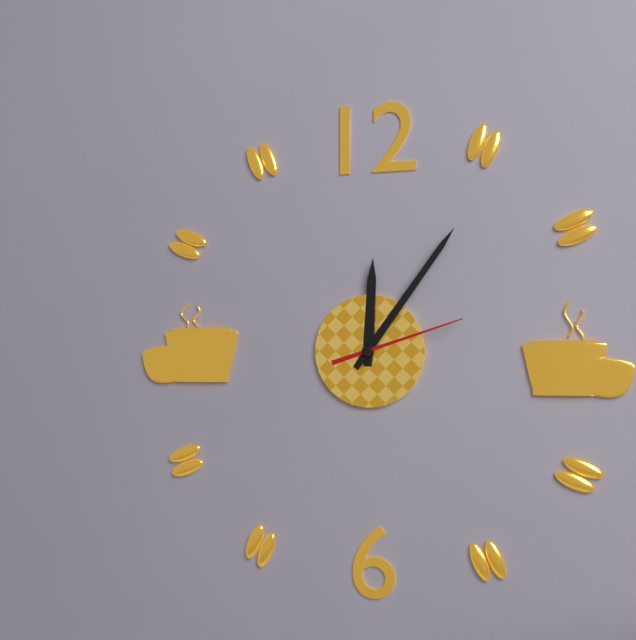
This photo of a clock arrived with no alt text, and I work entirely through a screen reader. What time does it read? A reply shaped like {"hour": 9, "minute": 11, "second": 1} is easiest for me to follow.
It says {"hour": 12, "minute": 6, "second": 12}
